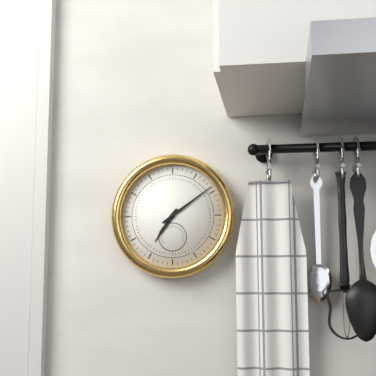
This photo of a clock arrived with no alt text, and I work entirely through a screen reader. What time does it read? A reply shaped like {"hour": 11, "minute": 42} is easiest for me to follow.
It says {"hour": 7, "minute": 9}
